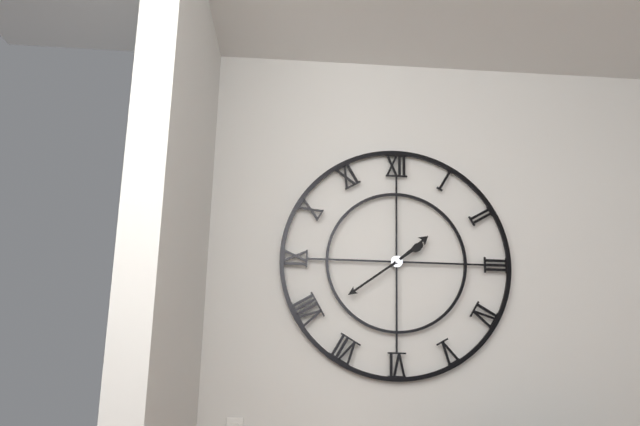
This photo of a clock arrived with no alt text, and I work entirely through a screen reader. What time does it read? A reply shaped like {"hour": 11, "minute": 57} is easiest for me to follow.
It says {"hour": 1, "minute": 39}
